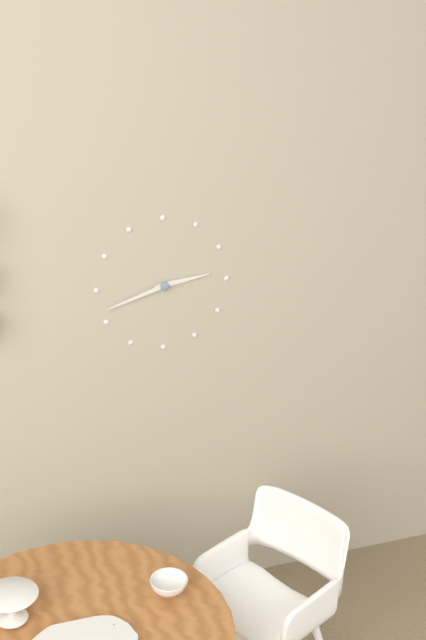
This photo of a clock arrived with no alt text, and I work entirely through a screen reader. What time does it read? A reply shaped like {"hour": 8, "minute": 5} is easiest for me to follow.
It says {"hour": 2, "minute": 42}
